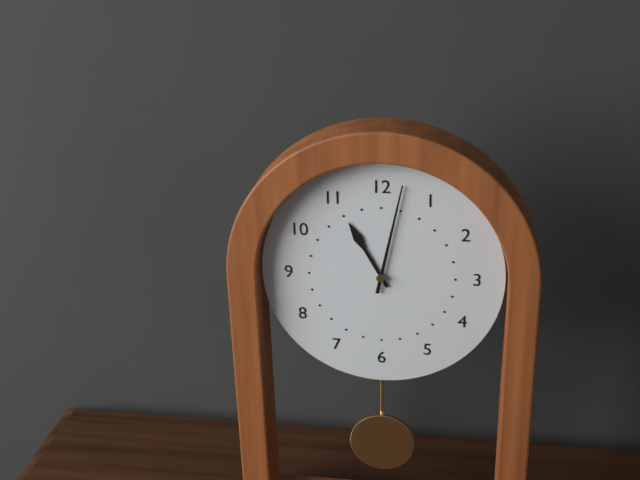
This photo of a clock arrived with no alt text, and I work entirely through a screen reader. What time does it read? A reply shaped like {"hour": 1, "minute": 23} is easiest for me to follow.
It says {"hour": 11, "minute": 2}
